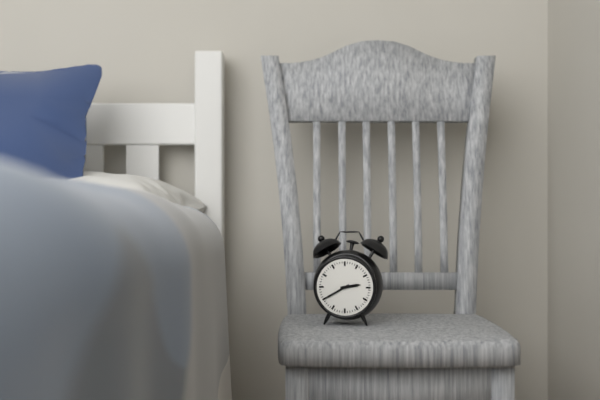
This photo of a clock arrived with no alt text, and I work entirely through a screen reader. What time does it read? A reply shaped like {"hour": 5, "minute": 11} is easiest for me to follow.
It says {"hour": 2, "minute": 40}
